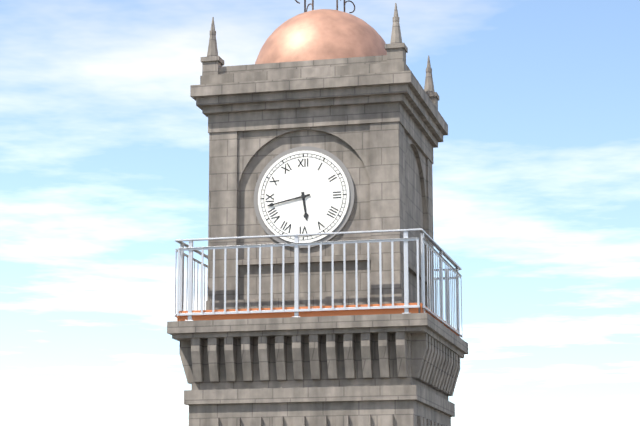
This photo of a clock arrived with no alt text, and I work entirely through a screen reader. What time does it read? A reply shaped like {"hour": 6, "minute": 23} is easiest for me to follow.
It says {"hour": 5, "minute": 43}
